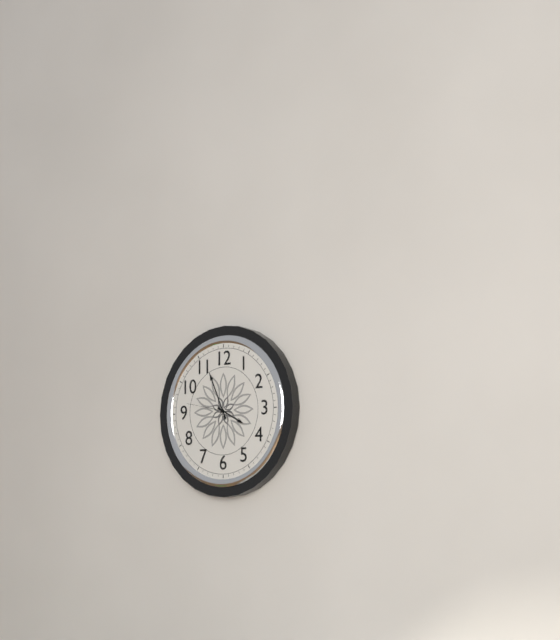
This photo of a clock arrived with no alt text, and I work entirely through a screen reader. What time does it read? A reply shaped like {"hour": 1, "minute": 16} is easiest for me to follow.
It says {"hour": 3, "minute": 56}
